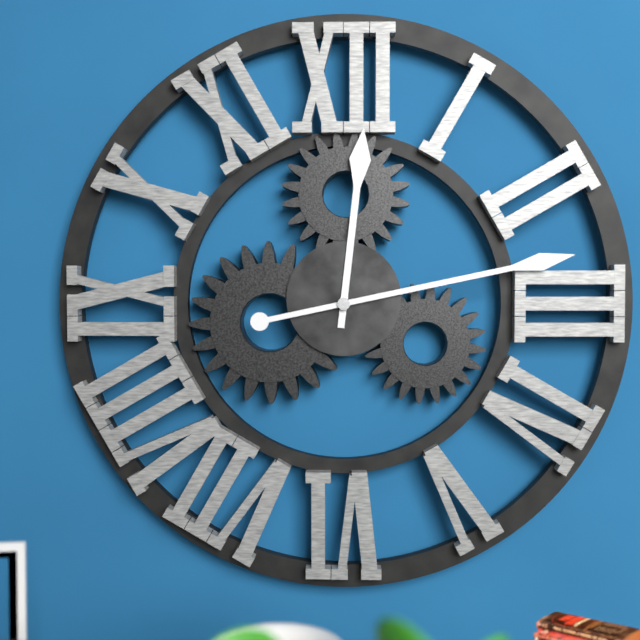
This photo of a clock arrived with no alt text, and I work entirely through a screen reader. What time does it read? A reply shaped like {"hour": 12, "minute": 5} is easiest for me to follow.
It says {"hour": 12, "minute": 13}
